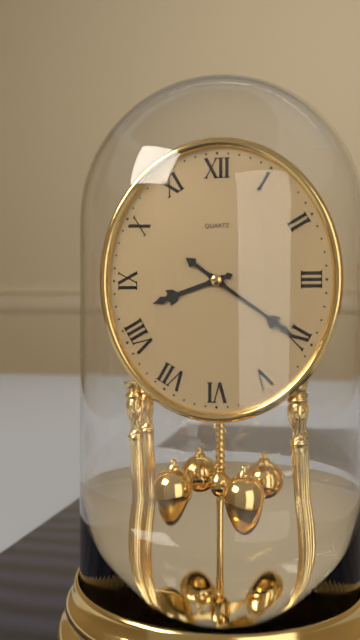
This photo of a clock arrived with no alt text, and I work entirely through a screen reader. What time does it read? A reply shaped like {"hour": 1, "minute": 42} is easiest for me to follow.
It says {"hour": 8, "minute": 21}
